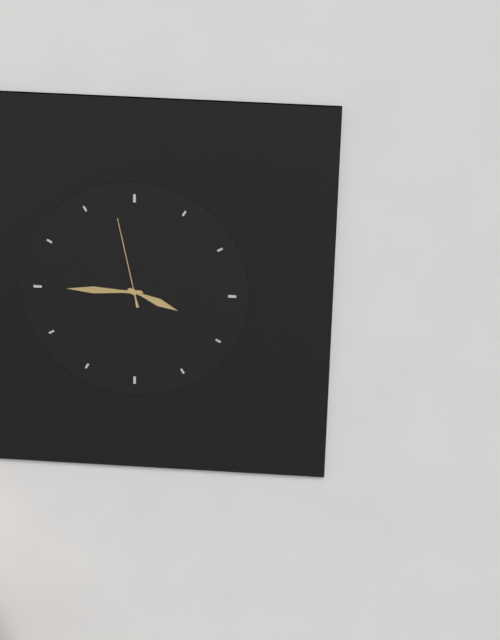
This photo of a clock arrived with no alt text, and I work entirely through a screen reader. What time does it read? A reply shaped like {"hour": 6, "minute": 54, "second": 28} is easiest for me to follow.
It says {"hour": 3, "minute": 45, "second": 58}
